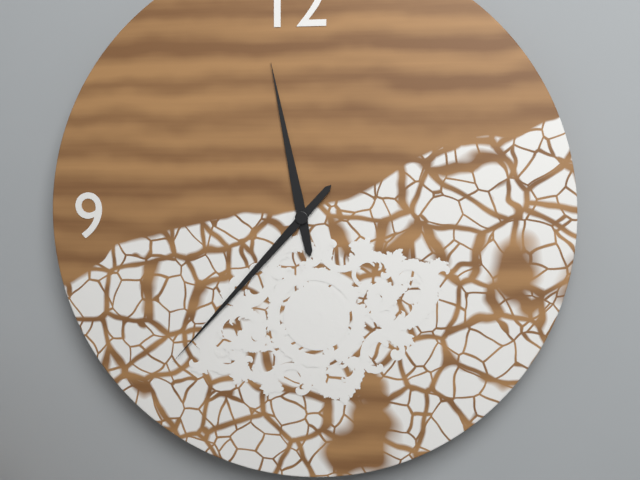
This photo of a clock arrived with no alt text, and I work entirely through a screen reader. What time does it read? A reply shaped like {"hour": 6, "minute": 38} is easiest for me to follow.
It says {"hour": 11, "minute": 37}
